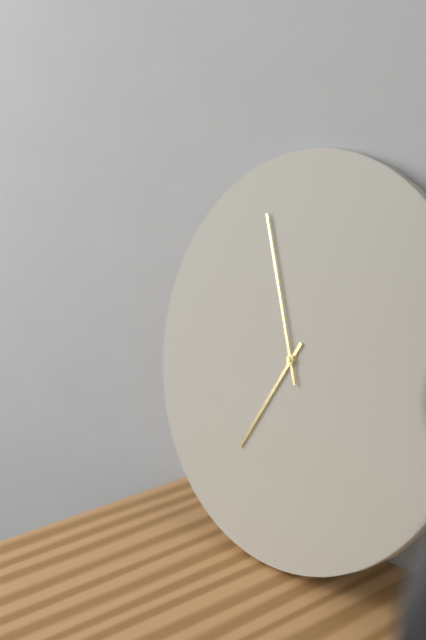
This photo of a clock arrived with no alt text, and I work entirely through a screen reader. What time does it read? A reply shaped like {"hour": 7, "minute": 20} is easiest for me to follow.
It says {"hour": 6, "minute": 56}
